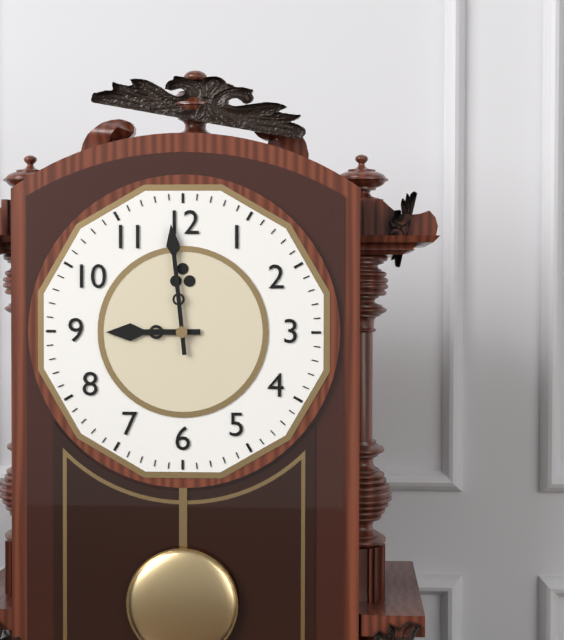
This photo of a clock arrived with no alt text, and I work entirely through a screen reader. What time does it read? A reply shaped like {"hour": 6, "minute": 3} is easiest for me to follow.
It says {"hour": 8, "minute": 59}
